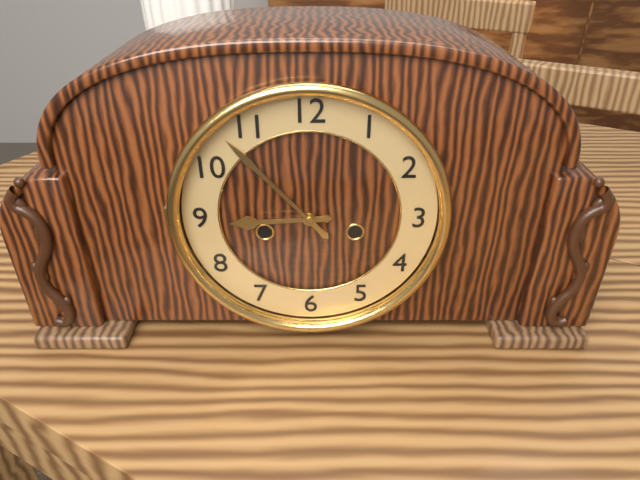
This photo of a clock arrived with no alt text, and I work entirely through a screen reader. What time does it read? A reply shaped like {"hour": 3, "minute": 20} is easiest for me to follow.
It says {"hour": 8, "minute": 53}
